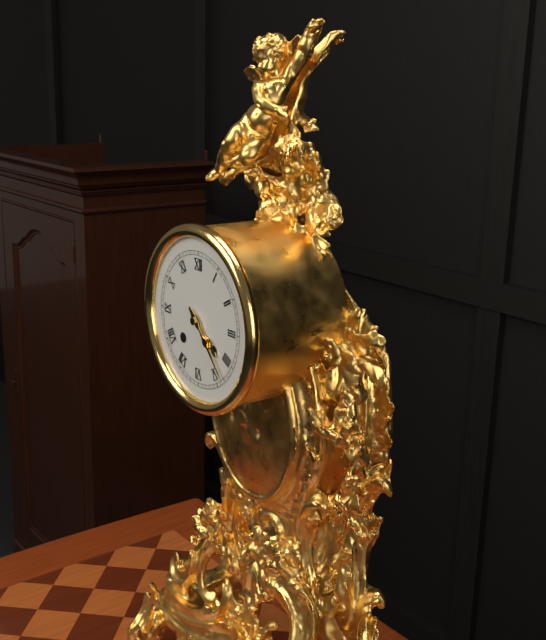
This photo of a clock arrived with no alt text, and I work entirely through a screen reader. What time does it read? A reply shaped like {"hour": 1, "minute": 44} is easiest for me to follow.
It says {"hour": 4, "minute": 23}
